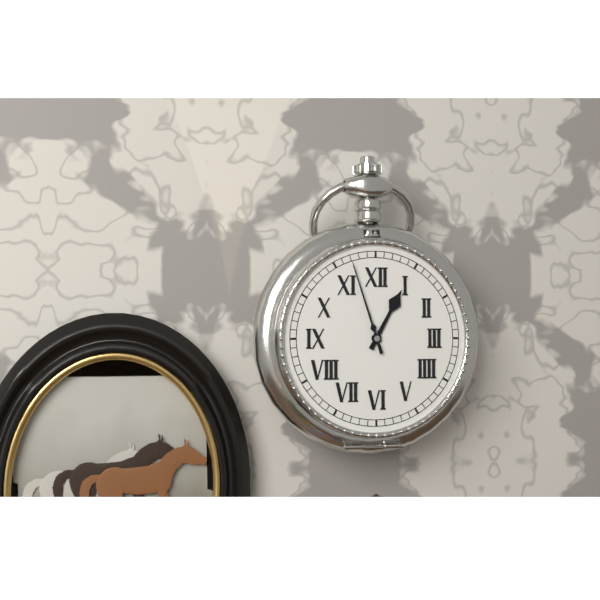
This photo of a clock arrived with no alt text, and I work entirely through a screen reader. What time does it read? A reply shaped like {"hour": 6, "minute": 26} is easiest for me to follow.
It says {"hour": 12, "minute": 57}
